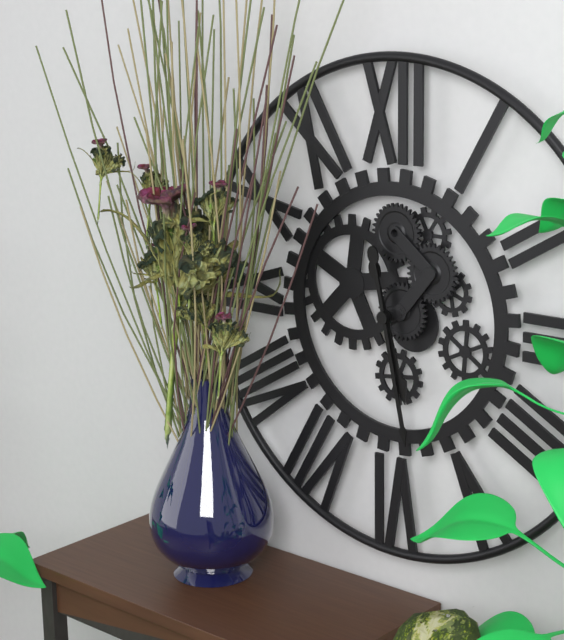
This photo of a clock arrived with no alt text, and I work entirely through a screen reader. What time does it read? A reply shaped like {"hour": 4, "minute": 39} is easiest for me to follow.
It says {"hour": 5, "minute": 28}
